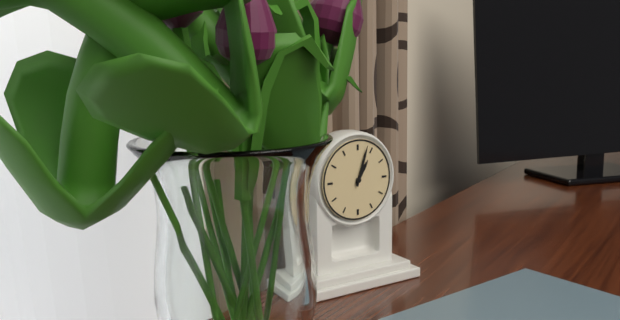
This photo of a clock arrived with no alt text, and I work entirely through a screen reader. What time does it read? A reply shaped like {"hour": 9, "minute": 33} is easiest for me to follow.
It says {"hour": 1, "minute": 3}
